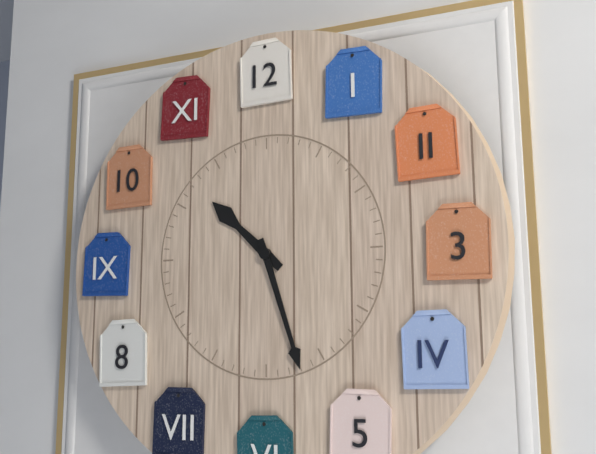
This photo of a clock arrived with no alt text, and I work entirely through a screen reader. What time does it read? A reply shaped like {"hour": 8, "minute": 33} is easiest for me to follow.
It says {"hour": 10, "minute": 27}
